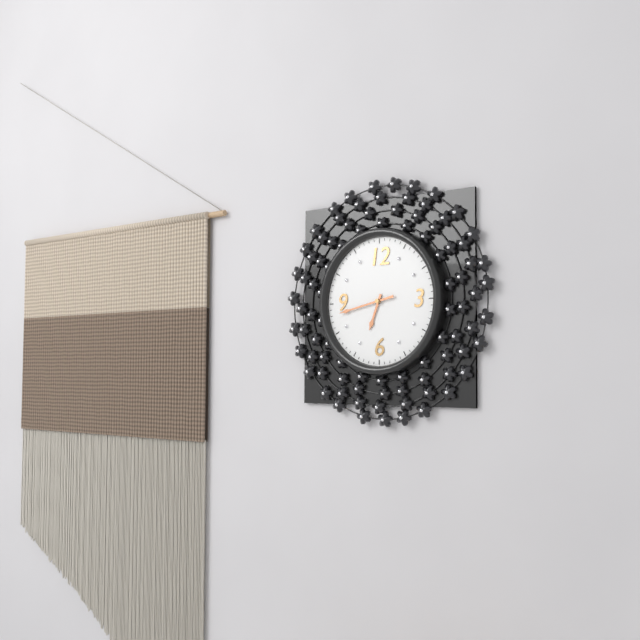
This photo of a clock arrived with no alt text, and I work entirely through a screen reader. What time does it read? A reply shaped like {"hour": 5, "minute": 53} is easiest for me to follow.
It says {"hour": 6, "minute": 43}
